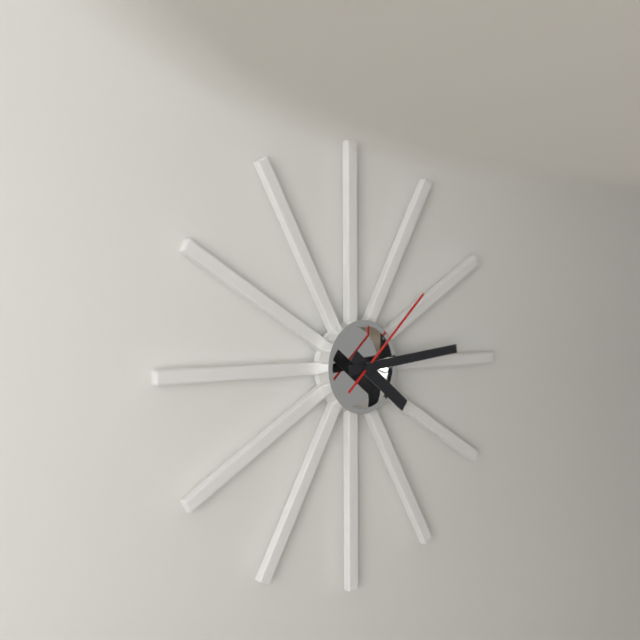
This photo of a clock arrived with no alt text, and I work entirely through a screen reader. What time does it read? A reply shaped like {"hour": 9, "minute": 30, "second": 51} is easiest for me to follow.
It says {"hour": 4, "minute": 14, "second": 8}
